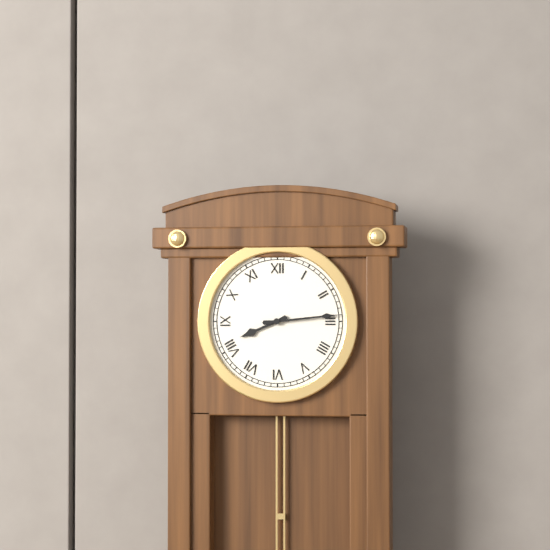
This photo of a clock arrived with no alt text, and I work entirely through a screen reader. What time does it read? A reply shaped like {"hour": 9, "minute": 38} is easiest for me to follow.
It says {"hour": 8, "minute": 14}
